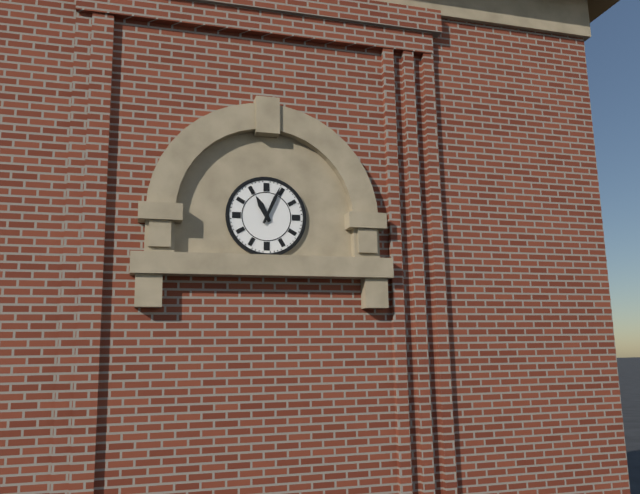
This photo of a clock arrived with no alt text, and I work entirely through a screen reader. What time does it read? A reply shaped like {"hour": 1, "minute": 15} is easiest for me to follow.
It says {"hour": 11, "minute": 4}
